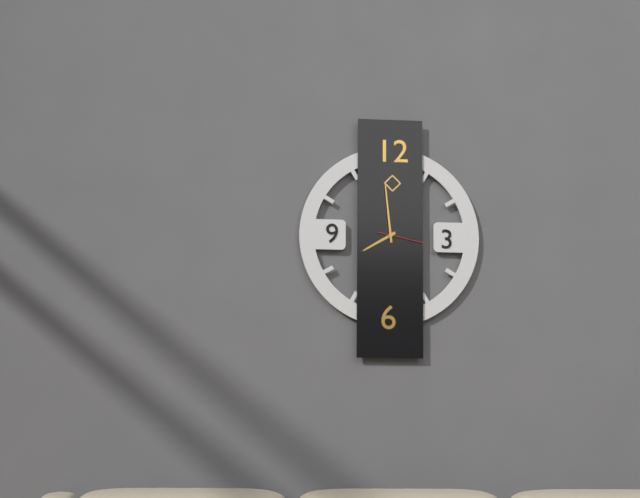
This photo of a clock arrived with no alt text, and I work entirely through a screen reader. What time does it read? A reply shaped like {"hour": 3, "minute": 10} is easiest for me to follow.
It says {"hour": 7, "minute": 59}
